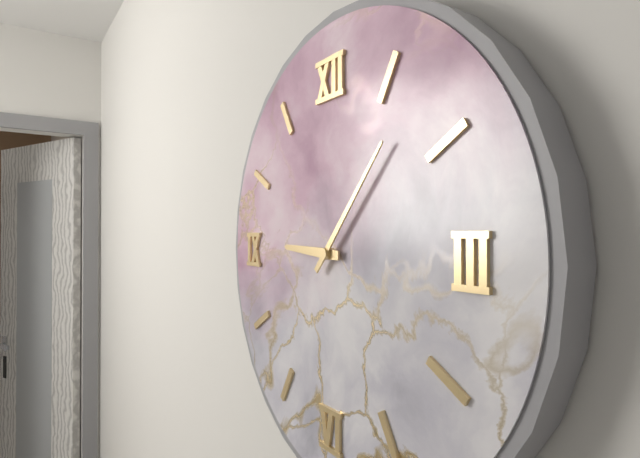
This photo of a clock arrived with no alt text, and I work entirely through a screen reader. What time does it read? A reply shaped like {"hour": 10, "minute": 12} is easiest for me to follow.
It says {"hour": 9, "minute": 7}
